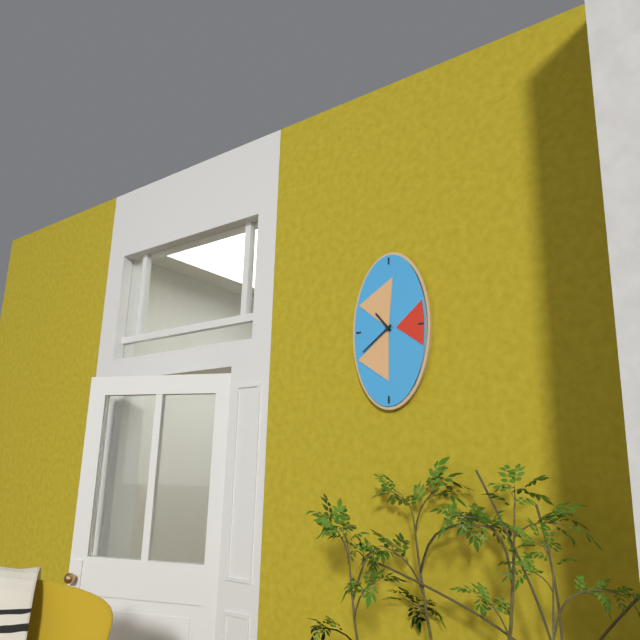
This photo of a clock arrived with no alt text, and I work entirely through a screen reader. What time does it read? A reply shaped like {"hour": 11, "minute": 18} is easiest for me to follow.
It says {"hour": 10, "minute": 39}
